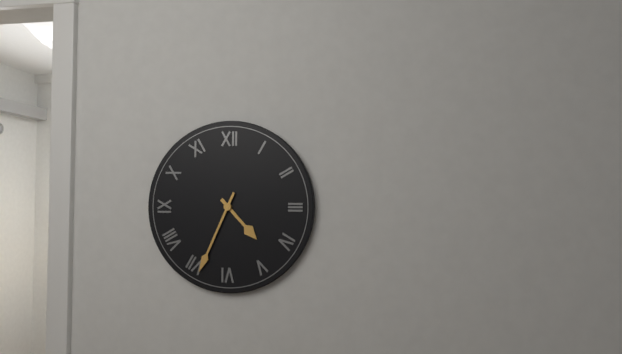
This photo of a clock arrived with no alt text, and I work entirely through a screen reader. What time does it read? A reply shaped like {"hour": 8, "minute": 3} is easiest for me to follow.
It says {"hour": 4, "minute": 34}
